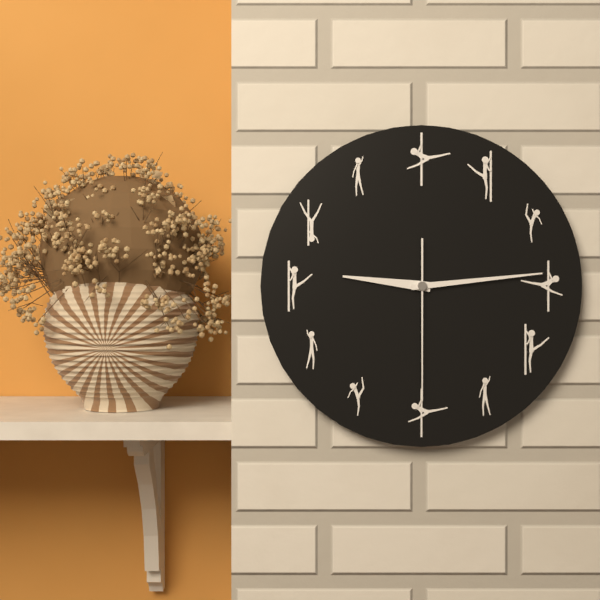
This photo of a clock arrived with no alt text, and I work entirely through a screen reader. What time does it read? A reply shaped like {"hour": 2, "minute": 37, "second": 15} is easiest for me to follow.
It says {"hour": 9, "minute": 14, "second": 30}
